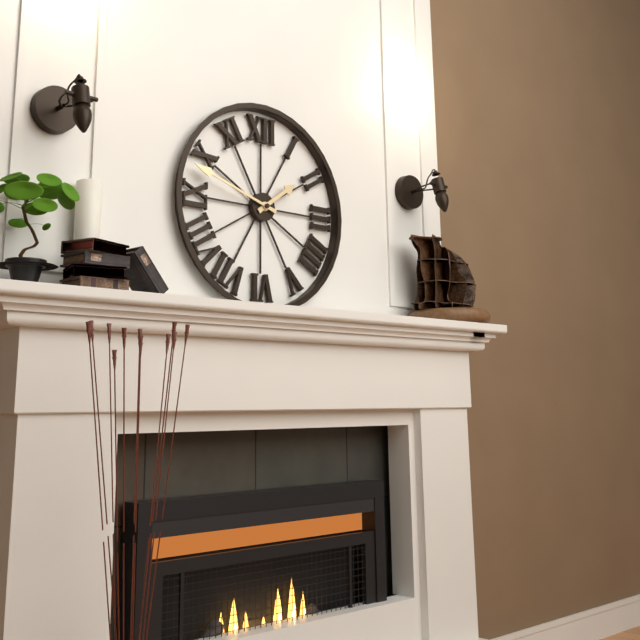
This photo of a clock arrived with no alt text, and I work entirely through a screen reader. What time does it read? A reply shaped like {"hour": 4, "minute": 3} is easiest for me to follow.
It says {"hour": 1, "minute": 48}
